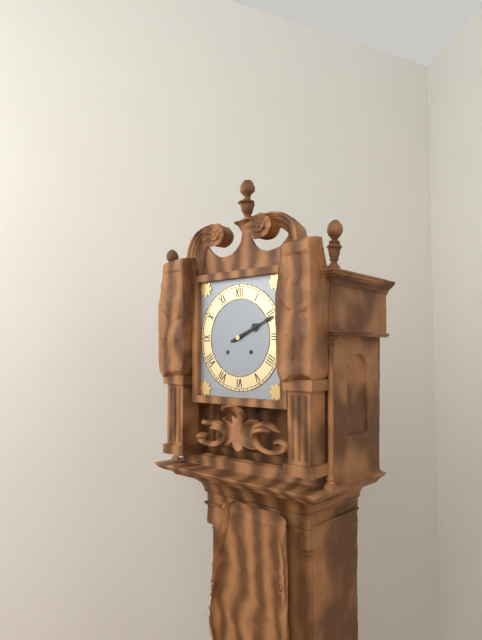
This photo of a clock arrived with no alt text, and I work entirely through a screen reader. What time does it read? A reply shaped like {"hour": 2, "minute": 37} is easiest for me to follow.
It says {"hour": 2, "minute": 11}
